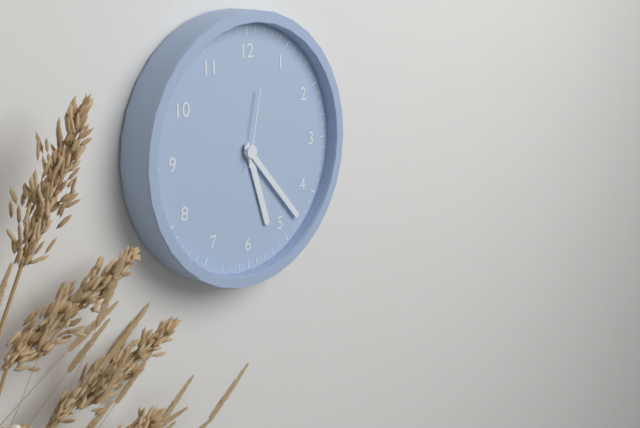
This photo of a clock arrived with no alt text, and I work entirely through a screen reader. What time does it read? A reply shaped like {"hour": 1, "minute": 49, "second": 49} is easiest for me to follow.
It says {"hour": 5, "minute": 23, "second": 2}
